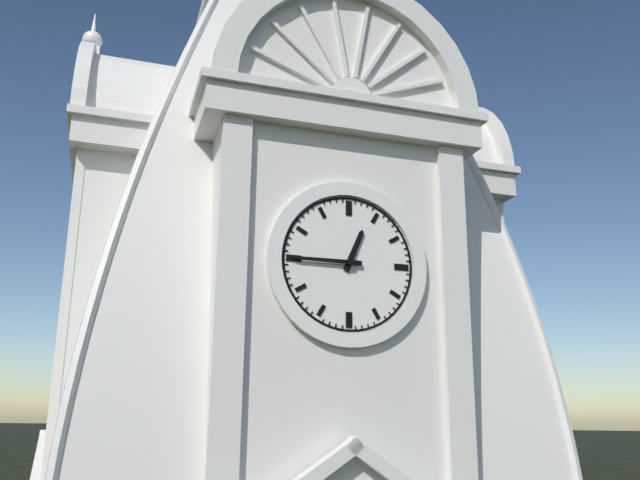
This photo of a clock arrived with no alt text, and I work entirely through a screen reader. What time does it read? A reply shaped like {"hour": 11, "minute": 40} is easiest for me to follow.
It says {"hour": 12, "minute": 45}
